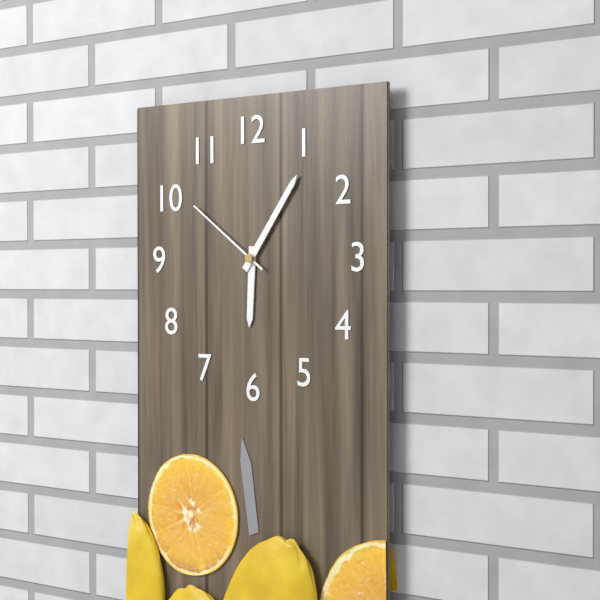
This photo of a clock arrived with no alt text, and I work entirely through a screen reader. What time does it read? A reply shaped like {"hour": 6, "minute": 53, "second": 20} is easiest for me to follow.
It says {"hour": 6, "minute": 6, "second": 51}
